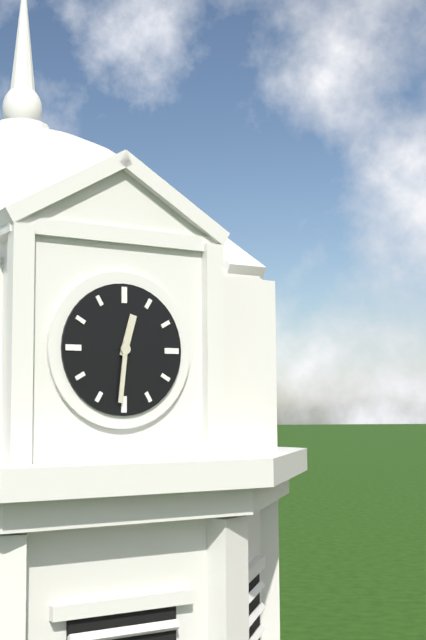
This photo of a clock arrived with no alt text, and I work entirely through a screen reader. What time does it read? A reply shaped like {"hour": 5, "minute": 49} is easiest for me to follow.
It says {"hour": 12, "minute": 31}
